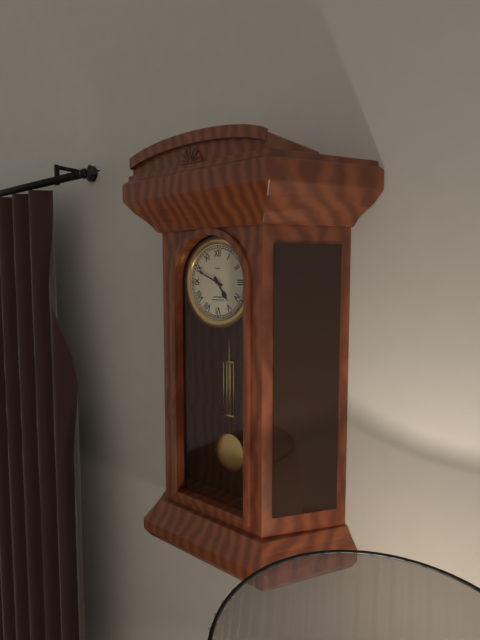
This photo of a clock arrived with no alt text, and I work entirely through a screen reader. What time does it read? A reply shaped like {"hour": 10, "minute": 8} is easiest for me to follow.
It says {"hour": 4, "minute": 49}
